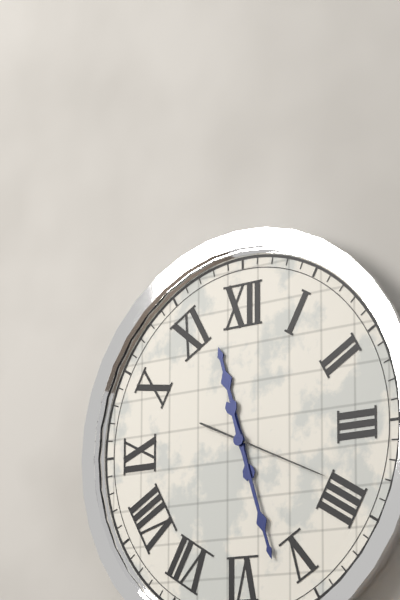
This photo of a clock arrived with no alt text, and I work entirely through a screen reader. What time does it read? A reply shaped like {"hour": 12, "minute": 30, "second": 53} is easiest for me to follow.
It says {"hour": 11, "minute": 27, "second": 19}
